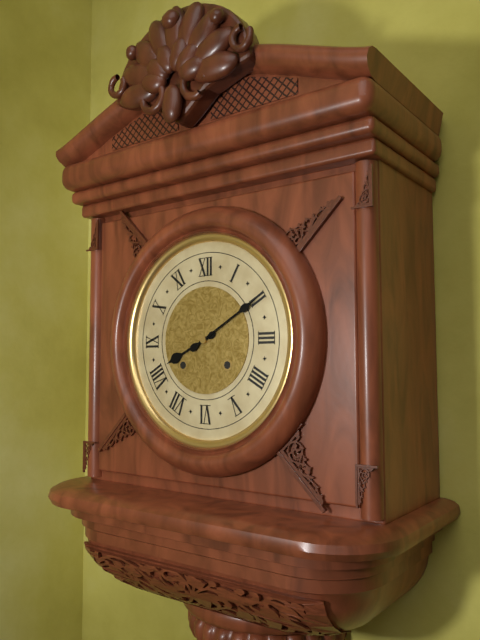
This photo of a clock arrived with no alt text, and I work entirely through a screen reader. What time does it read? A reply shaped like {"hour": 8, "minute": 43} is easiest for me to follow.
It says {"hour": 8, "minute": 10}
